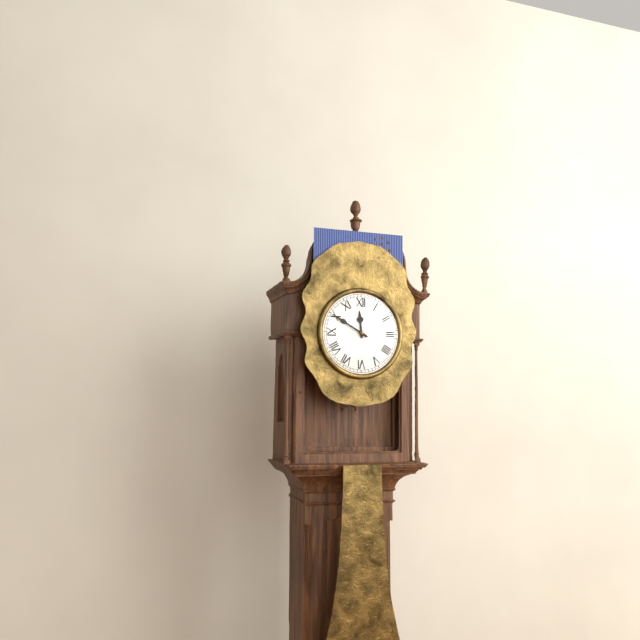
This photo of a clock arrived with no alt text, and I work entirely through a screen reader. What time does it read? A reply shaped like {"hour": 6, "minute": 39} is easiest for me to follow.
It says {"hour": 11, "minute": 50}
